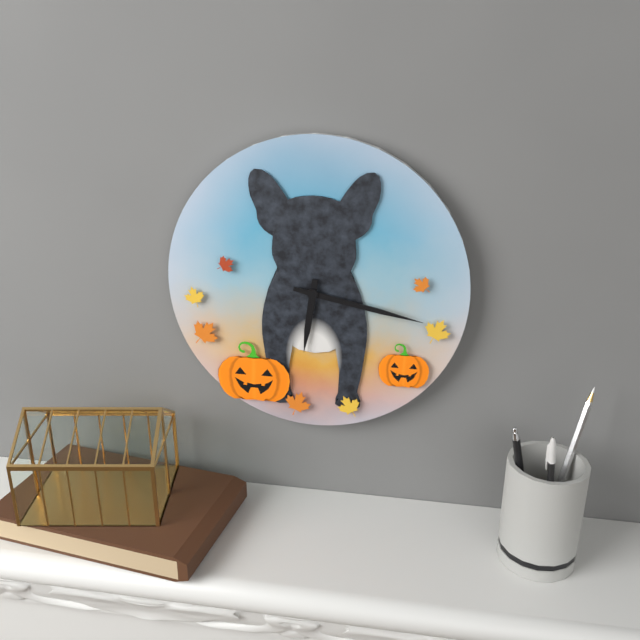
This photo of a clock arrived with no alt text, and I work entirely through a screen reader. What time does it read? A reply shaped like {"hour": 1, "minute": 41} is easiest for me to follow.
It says {"hour": 6, "minute": 17}
